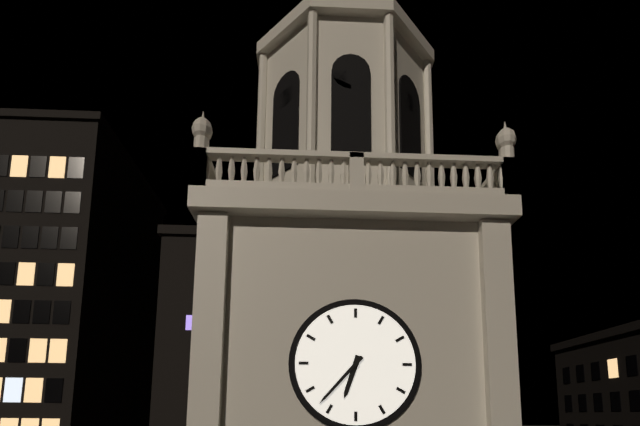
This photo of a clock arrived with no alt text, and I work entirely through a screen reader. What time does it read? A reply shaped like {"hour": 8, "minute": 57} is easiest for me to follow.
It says {"hour": 6, "minute": 37}
